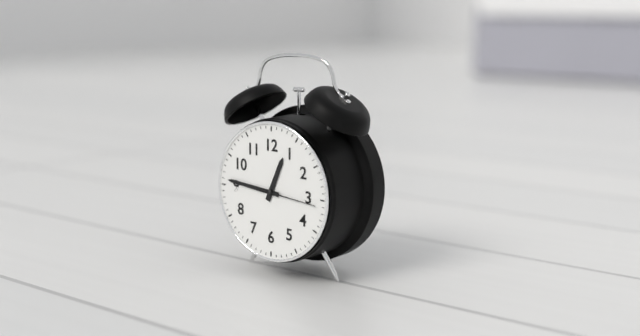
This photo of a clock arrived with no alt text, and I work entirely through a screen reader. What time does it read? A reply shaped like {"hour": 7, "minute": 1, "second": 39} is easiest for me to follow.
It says {"hour": 12, "minute": 46, "second": 16}
